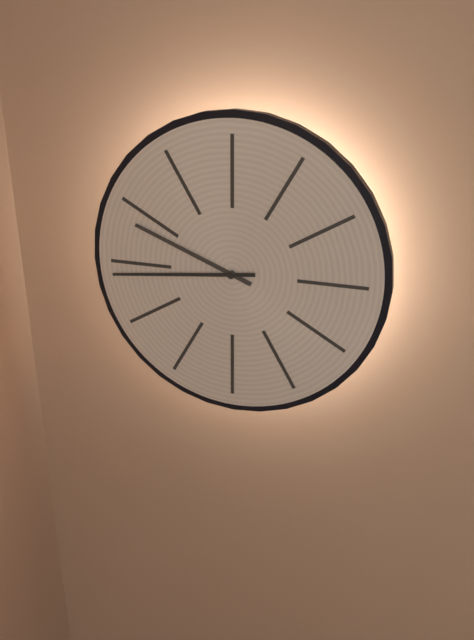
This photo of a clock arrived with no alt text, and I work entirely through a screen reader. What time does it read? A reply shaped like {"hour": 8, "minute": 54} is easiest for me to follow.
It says {"hour": 9, "minute": 44}
